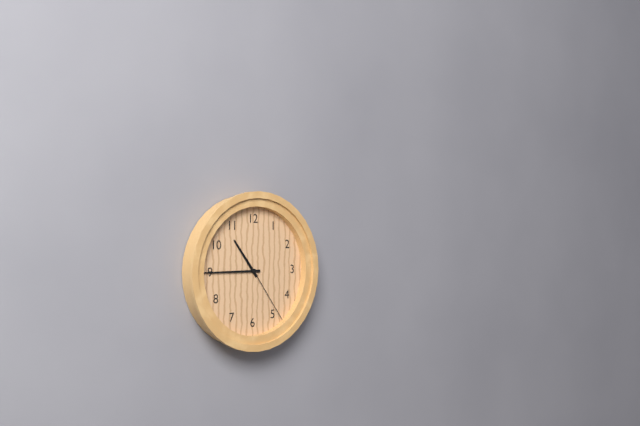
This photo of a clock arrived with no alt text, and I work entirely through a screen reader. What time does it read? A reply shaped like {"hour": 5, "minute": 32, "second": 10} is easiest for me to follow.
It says {"hour": 10, "minute": 45, "second": 24}
